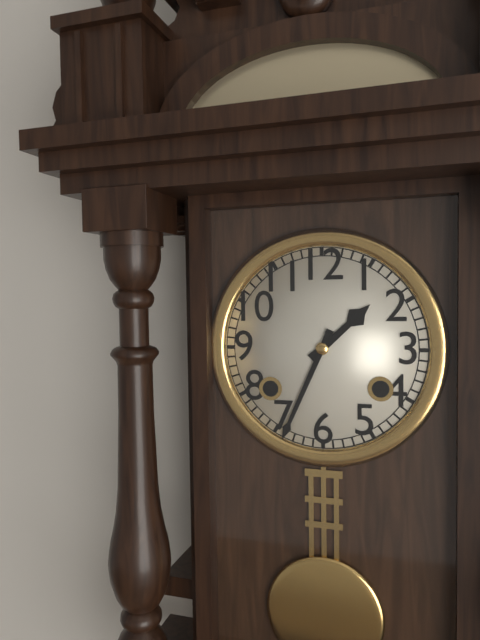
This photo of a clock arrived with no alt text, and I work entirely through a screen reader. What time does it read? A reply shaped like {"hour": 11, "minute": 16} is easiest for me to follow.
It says {"hour": 1, "minute": 34}
